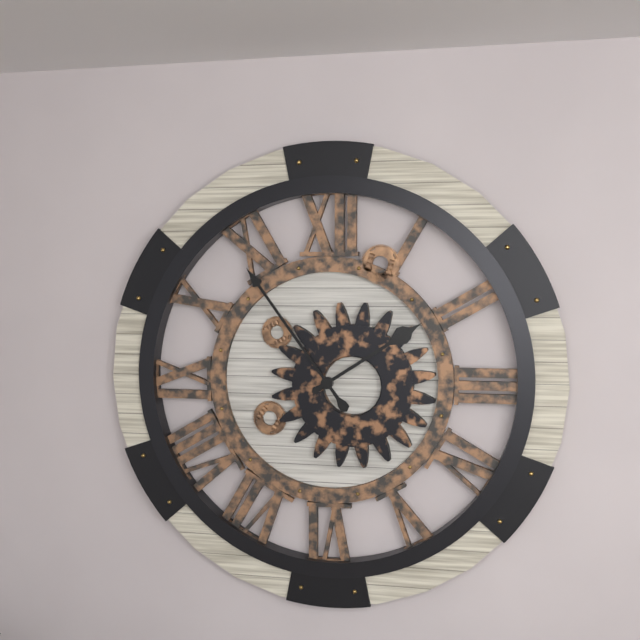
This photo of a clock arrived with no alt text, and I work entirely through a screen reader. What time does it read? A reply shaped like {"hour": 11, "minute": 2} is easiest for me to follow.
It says {"hour": 1, "minute": 54}
